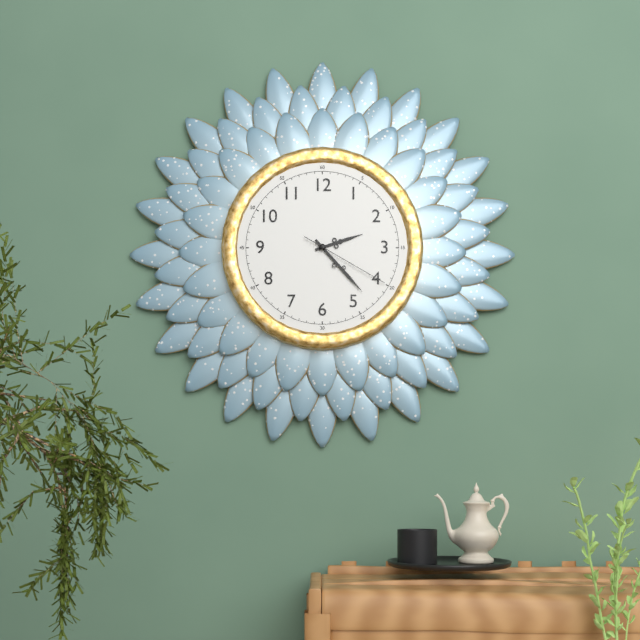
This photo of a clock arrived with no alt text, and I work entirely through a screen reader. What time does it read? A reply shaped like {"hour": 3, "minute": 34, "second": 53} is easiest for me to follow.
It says {"hour": 2, "minute": 23, "second": 20}
